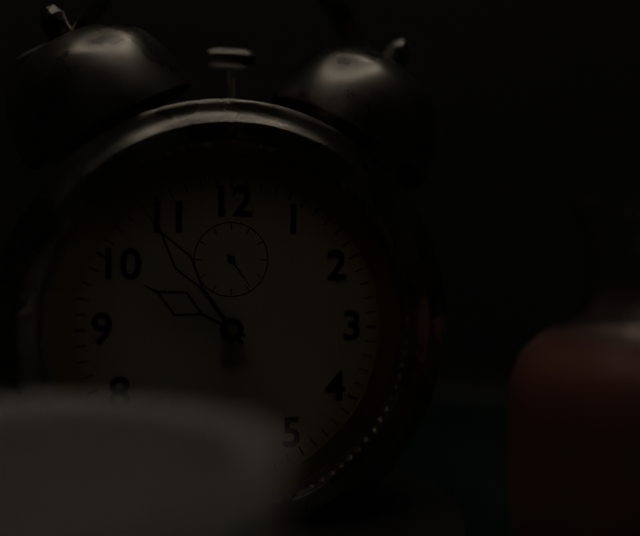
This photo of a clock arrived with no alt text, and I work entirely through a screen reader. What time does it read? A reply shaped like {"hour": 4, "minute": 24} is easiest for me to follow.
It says {"hour": 9, "minute": 54}
